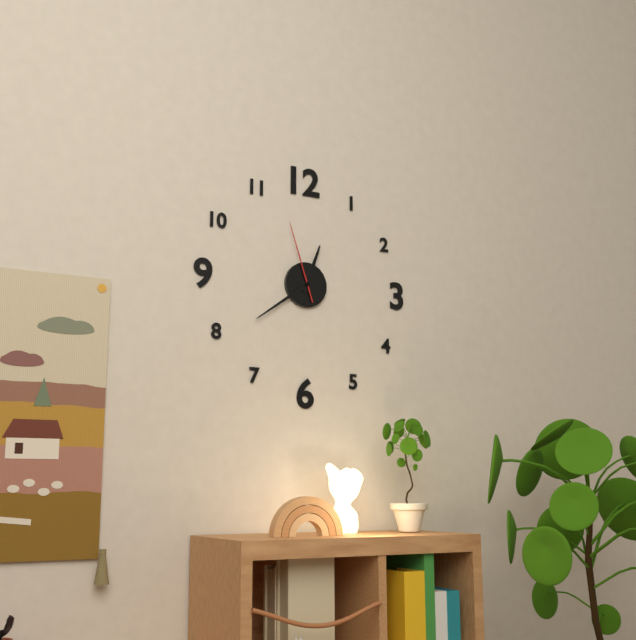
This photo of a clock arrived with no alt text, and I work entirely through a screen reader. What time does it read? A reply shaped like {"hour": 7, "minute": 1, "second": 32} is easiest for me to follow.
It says {"hour": 12, "minute": 39, "second": 57}
